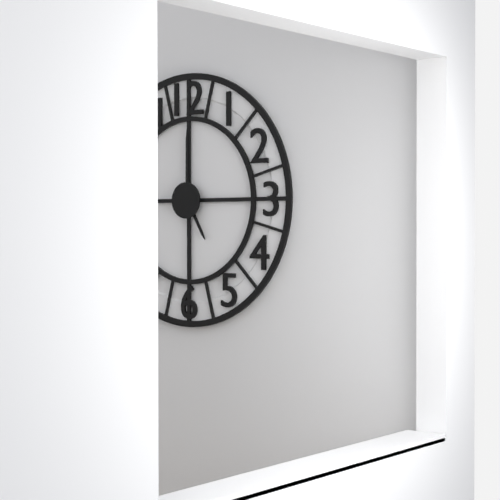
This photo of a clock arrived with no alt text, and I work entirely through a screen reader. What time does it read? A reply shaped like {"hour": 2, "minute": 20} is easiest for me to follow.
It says {"hour": 5, "minute": 0}
